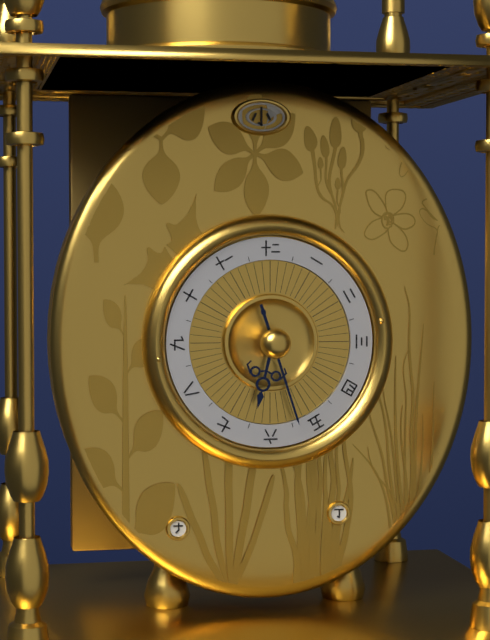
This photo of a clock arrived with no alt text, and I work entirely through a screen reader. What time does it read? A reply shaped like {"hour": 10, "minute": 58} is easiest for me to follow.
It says {"hour": 6, "minute": 27}
